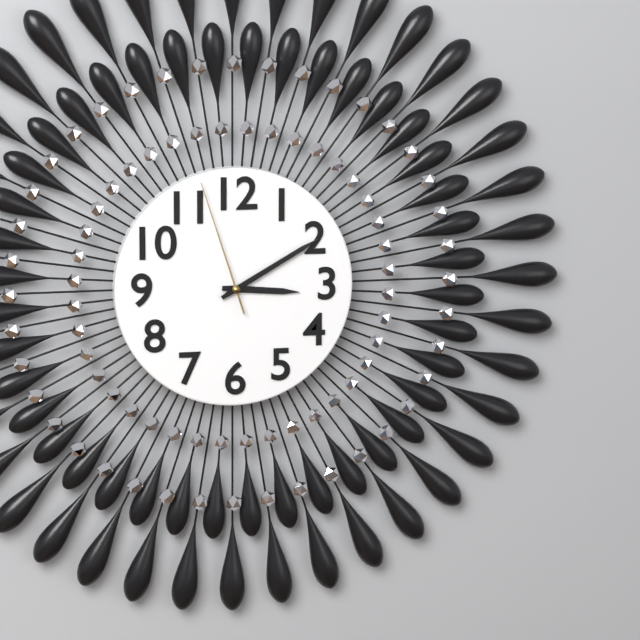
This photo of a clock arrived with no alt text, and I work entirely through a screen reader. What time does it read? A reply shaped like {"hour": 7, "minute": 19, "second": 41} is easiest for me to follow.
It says {"hour": 3, "minute": 10, "second": 57}
